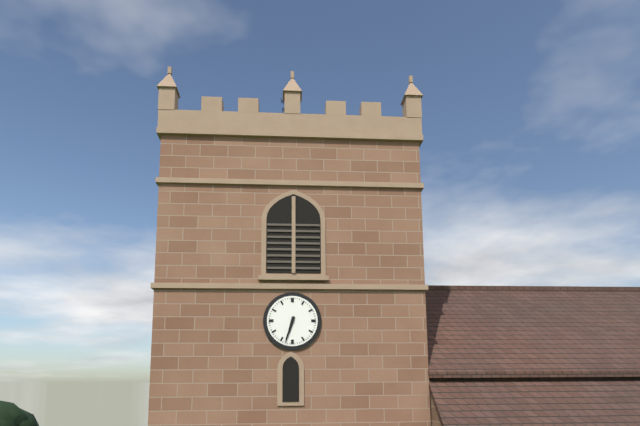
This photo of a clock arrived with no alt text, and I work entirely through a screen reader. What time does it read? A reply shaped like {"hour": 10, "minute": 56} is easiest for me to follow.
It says {"hour": 6, "minute": 33}
